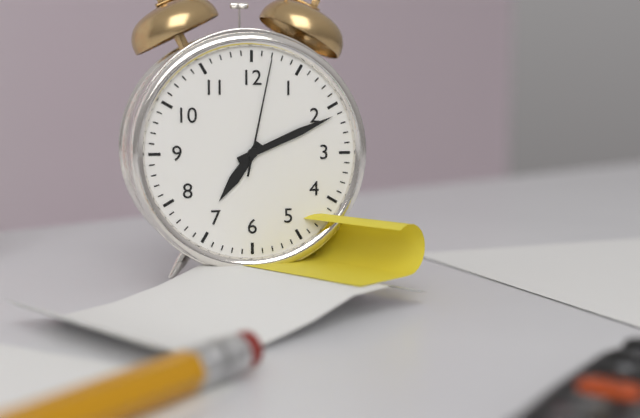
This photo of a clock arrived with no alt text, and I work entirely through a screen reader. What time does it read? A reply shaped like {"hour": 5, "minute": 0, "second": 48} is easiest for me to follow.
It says {"hour": 7, "minute": 11, "second": 2}
